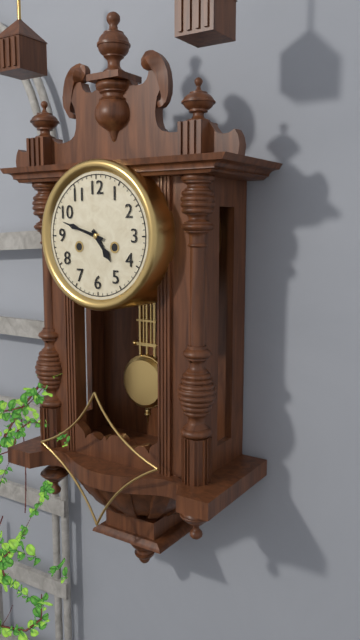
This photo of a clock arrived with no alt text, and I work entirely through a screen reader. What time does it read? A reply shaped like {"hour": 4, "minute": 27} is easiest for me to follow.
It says {"hour": 4, "minute": 48}
